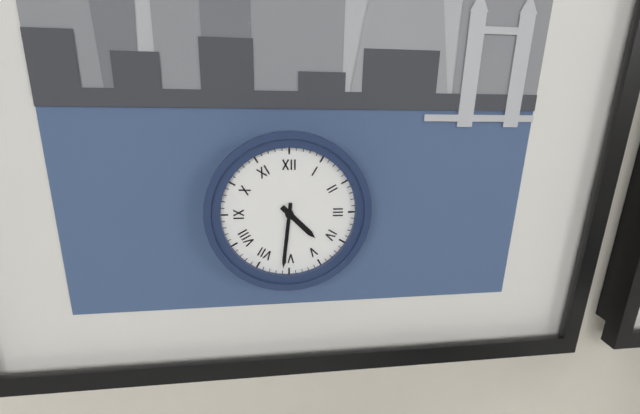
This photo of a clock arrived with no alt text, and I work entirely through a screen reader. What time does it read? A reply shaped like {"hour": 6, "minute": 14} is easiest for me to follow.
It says {"hour": 4, "minute": 31}
